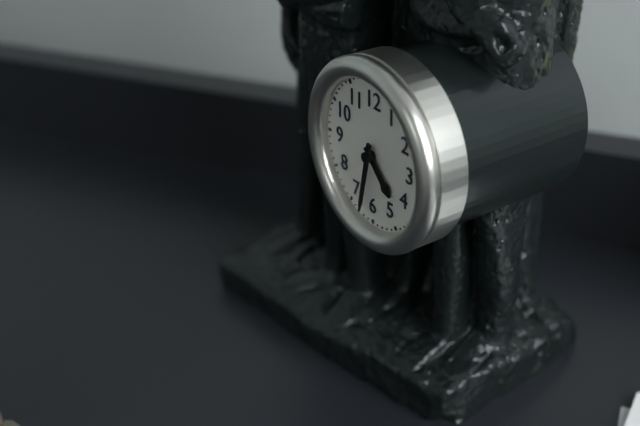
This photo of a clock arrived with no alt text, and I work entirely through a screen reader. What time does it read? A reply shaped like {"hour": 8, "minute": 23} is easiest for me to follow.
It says {"hour": 4, "minute": 32}
